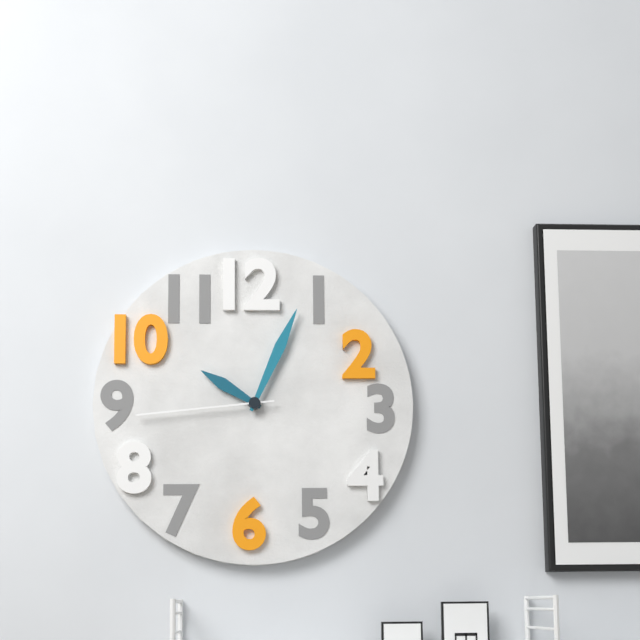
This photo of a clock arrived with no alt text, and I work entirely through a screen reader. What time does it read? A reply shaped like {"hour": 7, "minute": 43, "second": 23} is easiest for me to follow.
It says {"hour": 10, "minute": 4, "second": 44}
